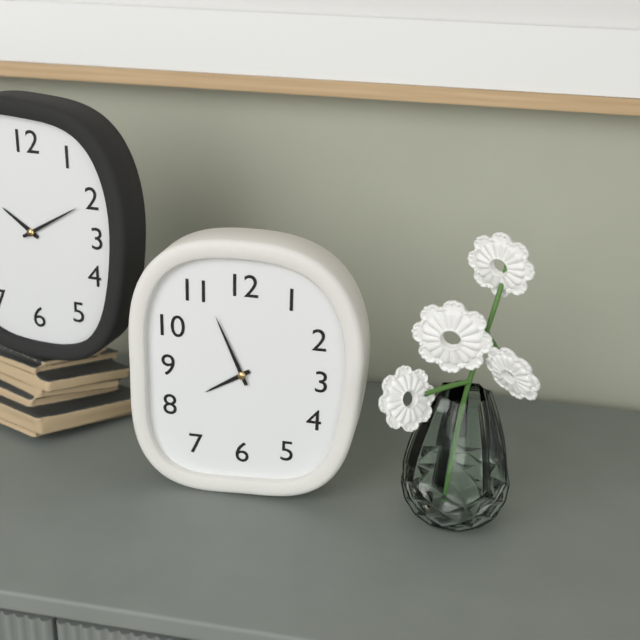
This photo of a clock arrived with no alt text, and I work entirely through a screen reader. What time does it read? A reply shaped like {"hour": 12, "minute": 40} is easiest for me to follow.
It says {"hour": 7, "minute": 56}
